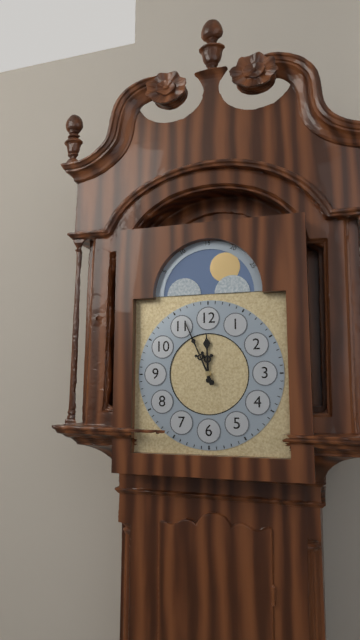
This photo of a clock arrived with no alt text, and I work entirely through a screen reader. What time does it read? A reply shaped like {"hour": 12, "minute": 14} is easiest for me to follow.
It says {"hour": 11, "minute": 56}
